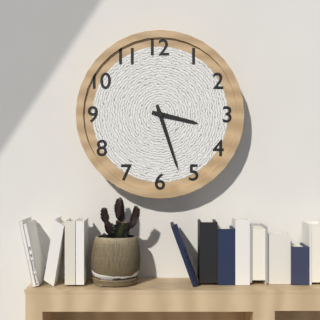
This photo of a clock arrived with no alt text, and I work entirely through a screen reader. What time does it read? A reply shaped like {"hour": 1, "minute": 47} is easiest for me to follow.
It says {"hour": 3, "minute": 27}
